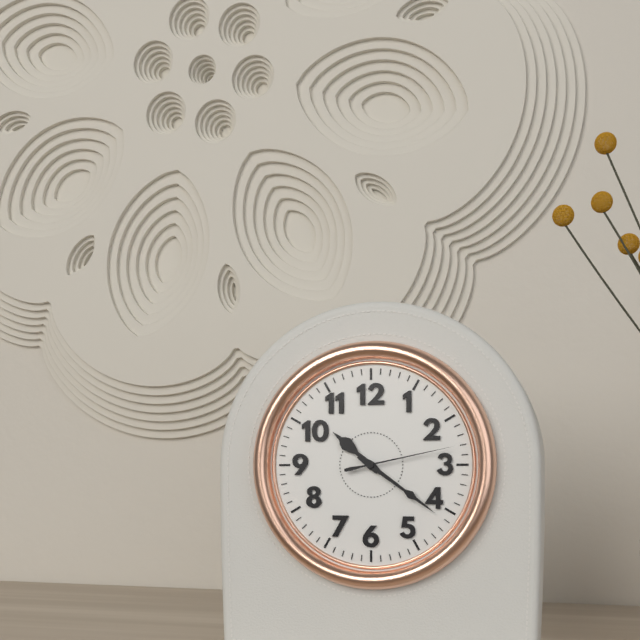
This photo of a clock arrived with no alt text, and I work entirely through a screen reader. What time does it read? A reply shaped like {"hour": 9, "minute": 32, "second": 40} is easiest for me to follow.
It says {"hour": 10, "minute": 21, "second": 13}
